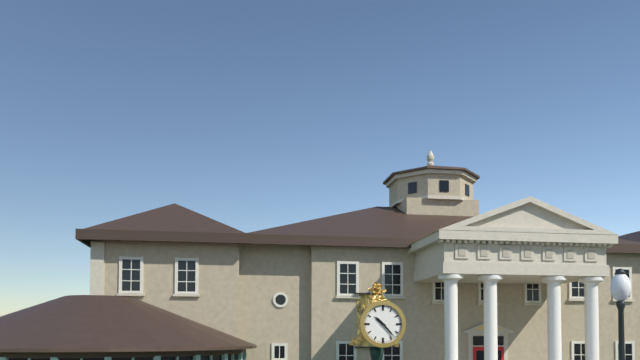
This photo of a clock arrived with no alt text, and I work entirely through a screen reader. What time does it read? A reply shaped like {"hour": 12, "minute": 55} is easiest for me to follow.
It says {"hour": 10, "minute": 23}
